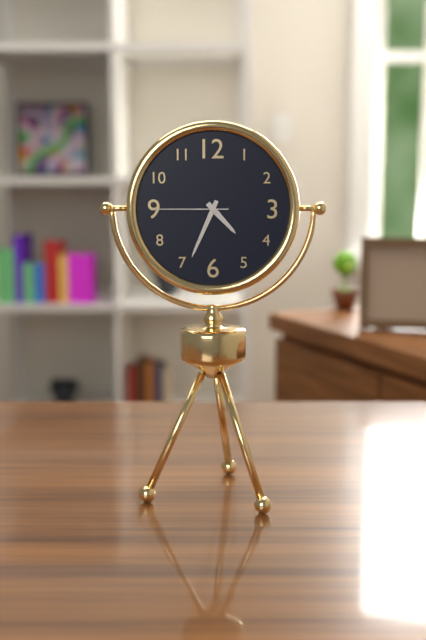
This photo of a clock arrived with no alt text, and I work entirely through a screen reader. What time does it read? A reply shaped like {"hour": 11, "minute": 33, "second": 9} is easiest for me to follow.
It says {"hour": 4, "minute": 34, "second": 45}
